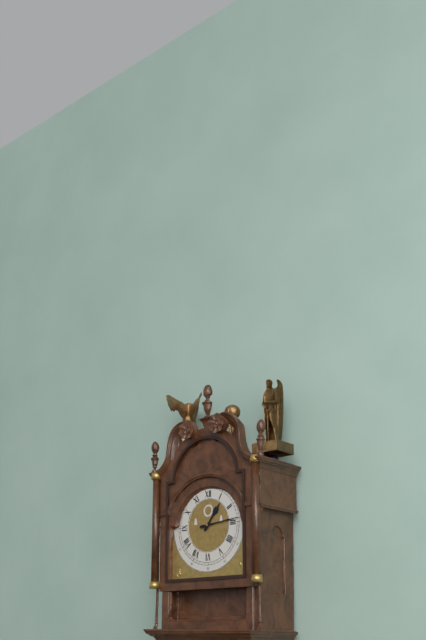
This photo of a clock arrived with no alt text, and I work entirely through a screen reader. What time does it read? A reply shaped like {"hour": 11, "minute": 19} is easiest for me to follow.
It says {"hour": 1, "minute": 14}
